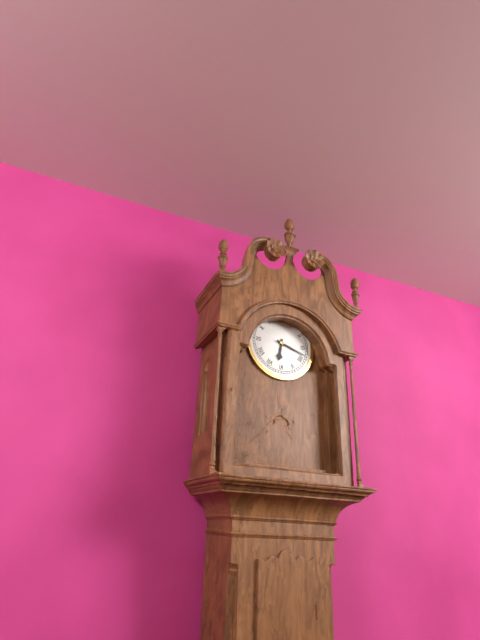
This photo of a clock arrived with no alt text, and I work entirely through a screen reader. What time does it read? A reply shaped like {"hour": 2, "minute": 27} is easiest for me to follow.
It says {"hour": 6, "minute": 18}
